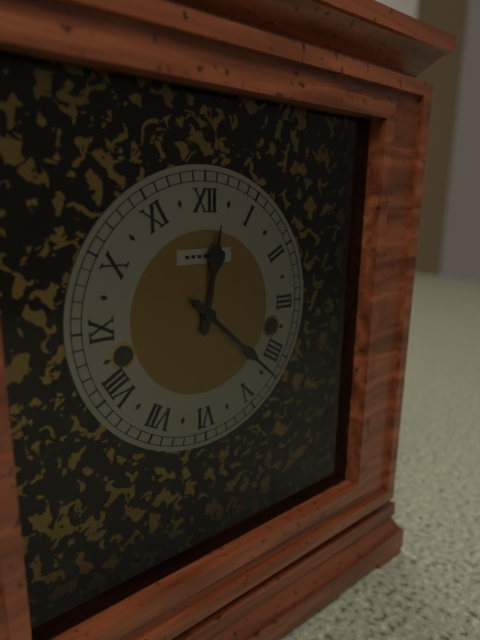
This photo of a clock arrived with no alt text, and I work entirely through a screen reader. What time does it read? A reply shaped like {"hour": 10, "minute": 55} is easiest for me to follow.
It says {"hour": 12, "minute": 22}
